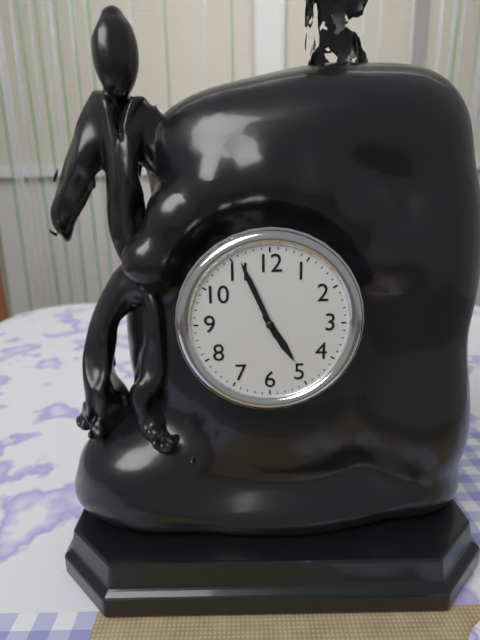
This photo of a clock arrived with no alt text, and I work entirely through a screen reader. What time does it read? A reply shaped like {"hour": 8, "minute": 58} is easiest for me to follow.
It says {"hour": 4, "minute": 56}
